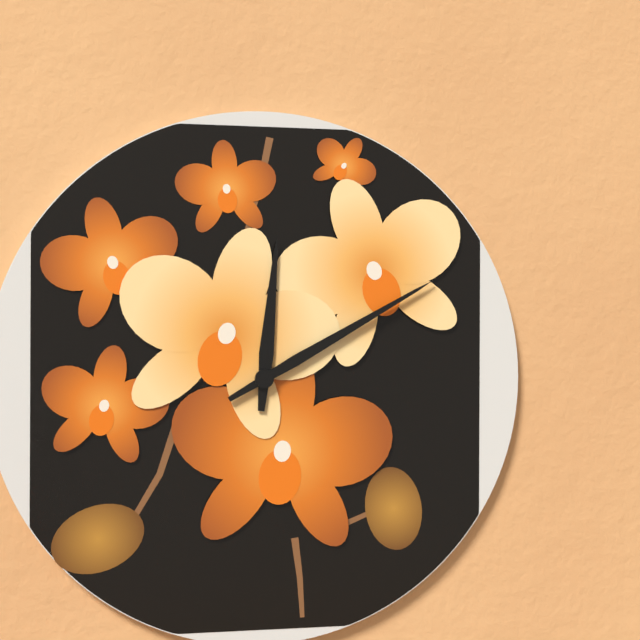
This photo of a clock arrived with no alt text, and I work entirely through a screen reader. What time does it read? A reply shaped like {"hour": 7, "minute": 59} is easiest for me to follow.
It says {"hour": 12, "minute": 10}
